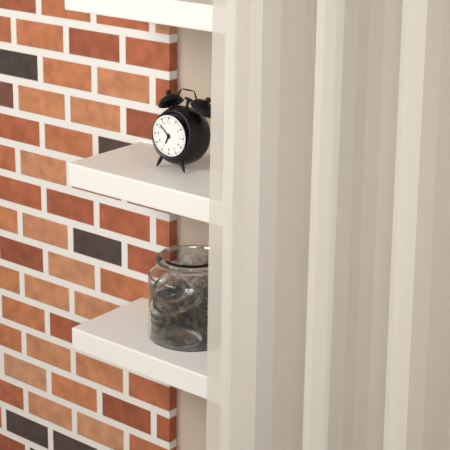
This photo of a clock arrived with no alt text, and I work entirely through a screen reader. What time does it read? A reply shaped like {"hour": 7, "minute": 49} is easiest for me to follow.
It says {"hour": 6, "minute": 52}
